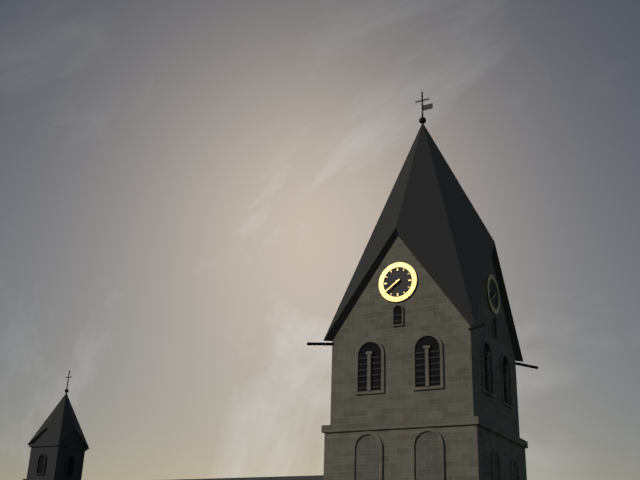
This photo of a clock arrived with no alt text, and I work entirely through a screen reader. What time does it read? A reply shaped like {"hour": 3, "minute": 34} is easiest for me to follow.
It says {"hour": 7, "minute": 39}
